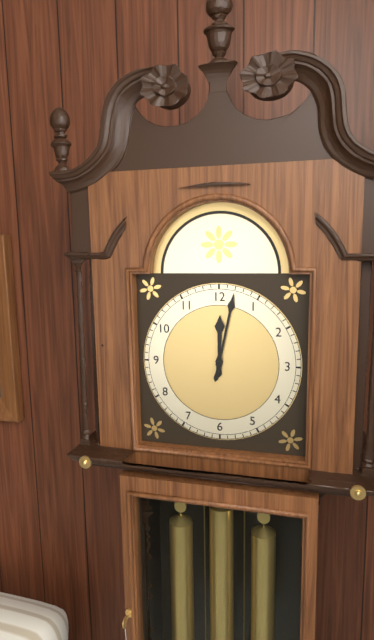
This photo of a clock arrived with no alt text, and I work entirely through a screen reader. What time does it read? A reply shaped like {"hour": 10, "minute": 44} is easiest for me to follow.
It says {"hour": 12, "minute": 2}
